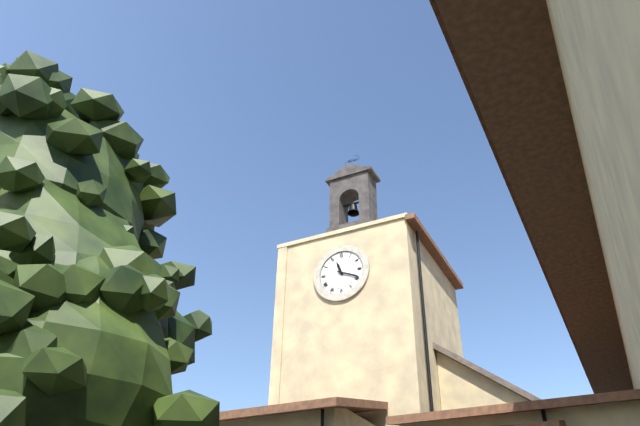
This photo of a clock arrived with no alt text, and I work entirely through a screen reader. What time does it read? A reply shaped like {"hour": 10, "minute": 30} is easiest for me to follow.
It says {"hour": 11, "minute": 19}
